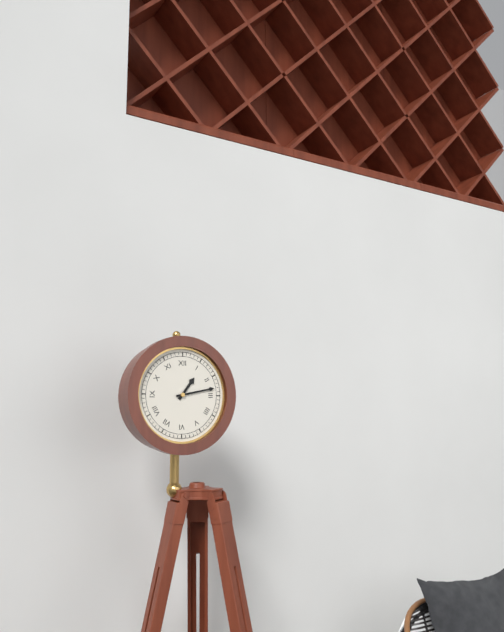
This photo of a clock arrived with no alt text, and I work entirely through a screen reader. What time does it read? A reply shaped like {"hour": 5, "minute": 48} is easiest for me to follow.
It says {"hour": 1, "minute": 13}
